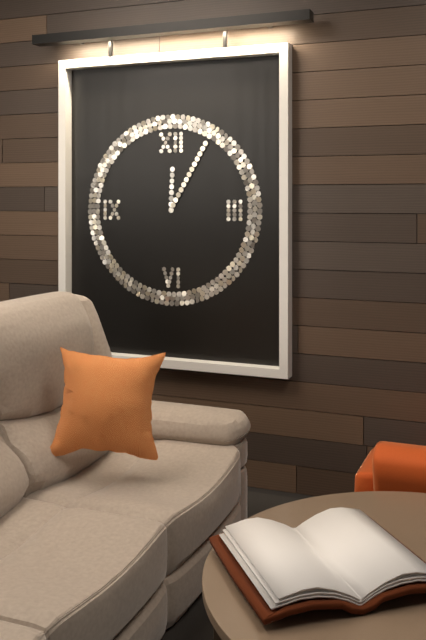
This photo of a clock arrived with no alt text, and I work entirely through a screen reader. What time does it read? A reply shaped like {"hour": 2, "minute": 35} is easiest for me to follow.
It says {"hour": 12, "minute": 5}
